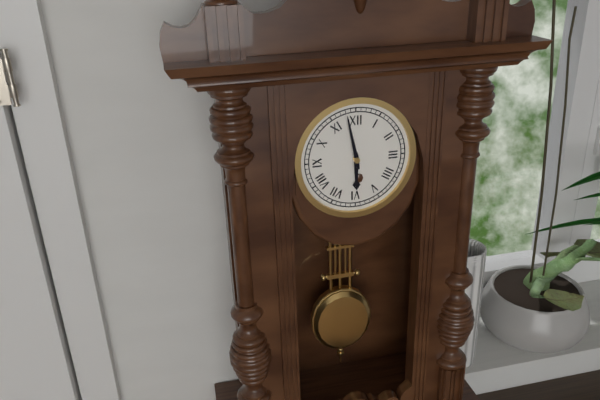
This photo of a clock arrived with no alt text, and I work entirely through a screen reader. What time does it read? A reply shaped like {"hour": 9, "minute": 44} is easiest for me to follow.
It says {"hour": 5, "minute": 58}
